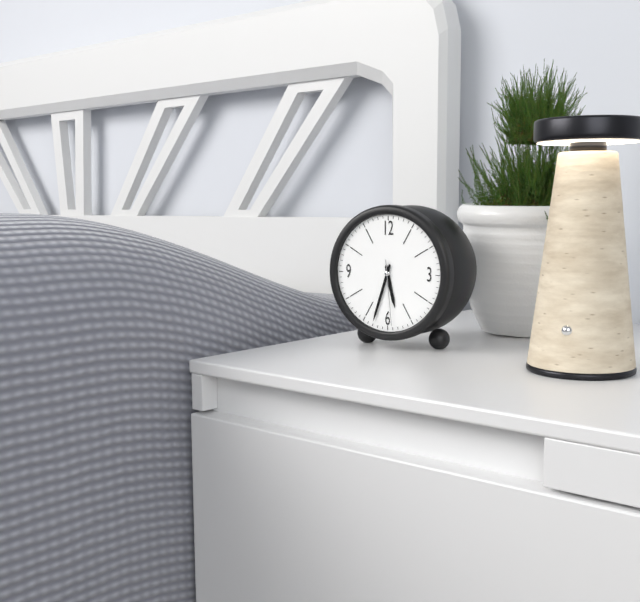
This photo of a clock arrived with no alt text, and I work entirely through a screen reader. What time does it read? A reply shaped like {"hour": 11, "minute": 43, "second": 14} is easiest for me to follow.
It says {"hour": 5, "minute": 33, "second": 29}
